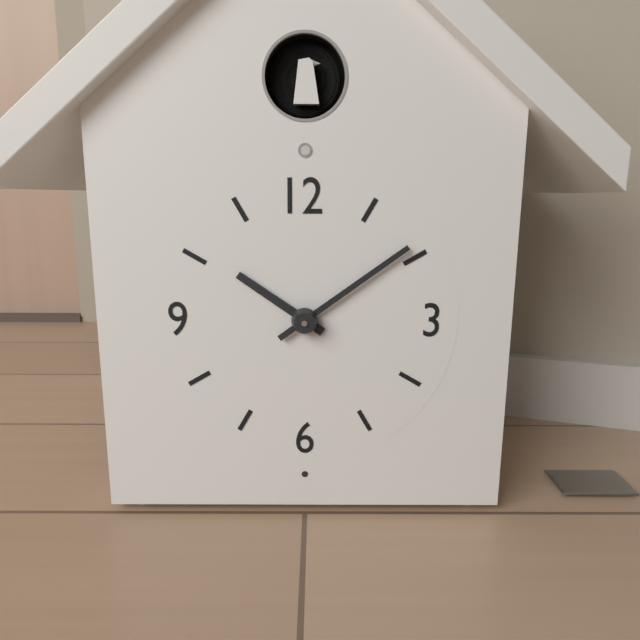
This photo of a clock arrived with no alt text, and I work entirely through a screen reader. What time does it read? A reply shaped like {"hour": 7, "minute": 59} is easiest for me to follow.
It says {"hour": 10, "minute": 9}
